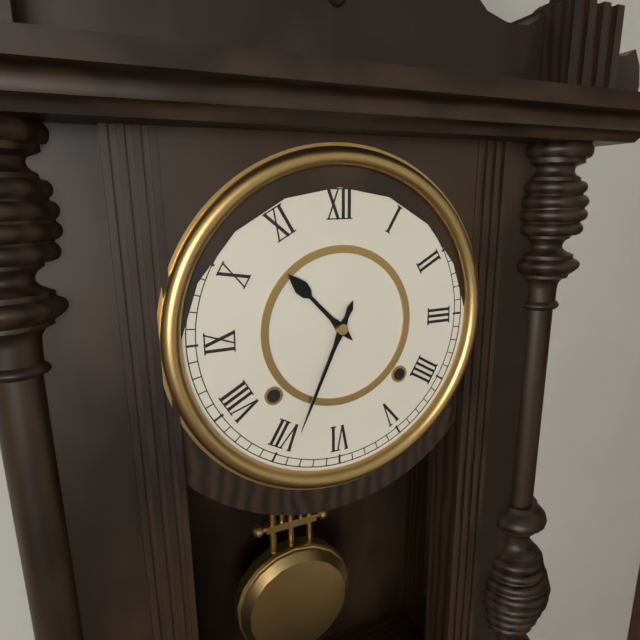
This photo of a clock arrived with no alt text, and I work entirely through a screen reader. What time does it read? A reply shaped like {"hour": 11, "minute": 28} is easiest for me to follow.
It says {"hour": 10, "minute": 34}
